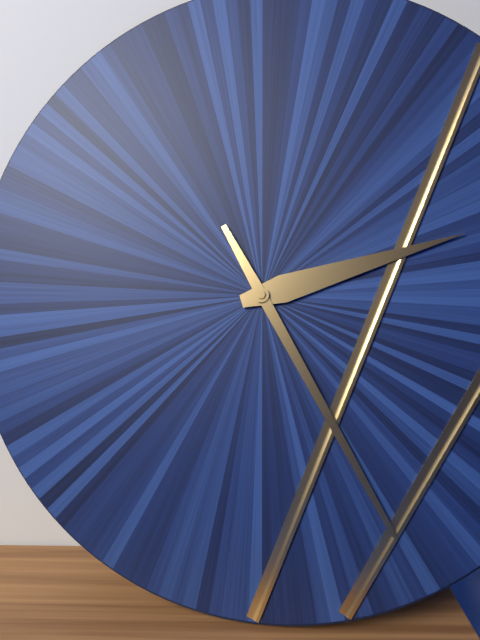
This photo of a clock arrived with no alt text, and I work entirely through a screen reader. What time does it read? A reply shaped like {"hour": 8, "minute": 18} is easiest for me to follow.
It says {"hour": 2, "minute": 25}
